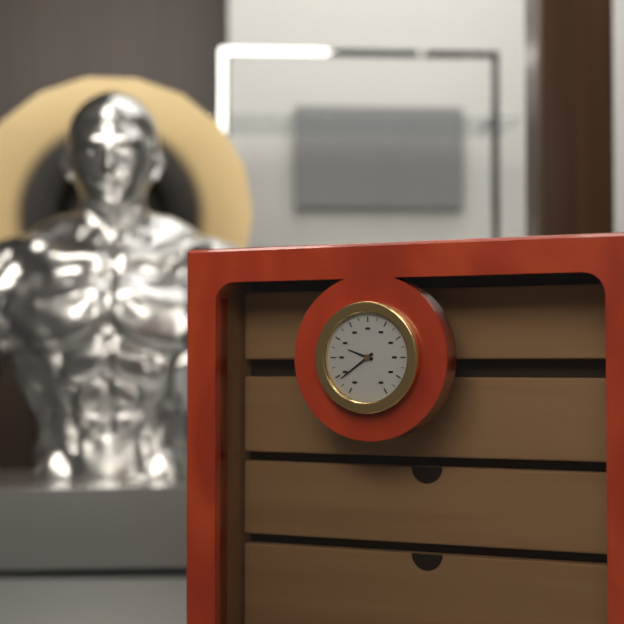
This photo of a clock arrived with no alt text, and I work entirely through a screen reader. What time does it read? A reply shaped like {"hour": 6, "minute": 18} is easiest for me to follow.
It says {"hour": 9, "minute": 39}
